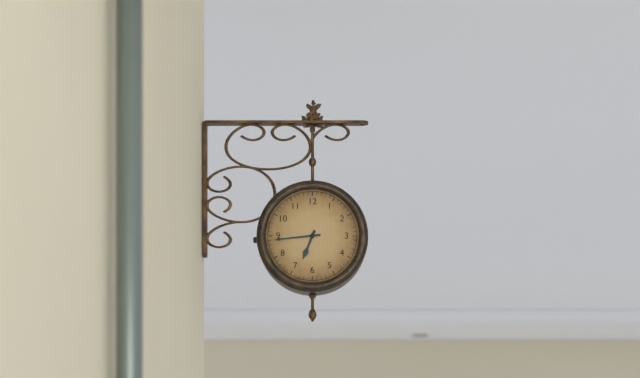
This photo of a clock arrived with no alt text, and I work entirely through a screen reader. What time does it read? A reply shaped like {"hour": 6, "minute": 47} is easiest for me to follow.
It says {"hour": 6, "minute": 44}
